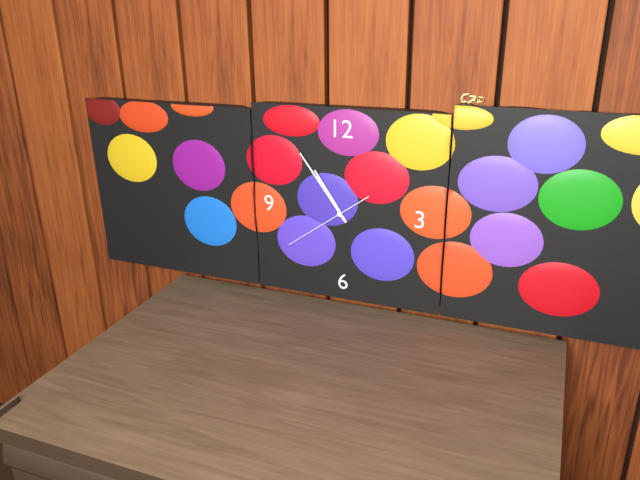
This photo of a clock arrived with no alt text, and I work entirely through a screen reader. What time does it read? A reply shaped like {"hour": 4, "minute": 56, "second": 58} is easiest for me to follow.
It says {"hour": 10, "minute": 54, "second": 39}
